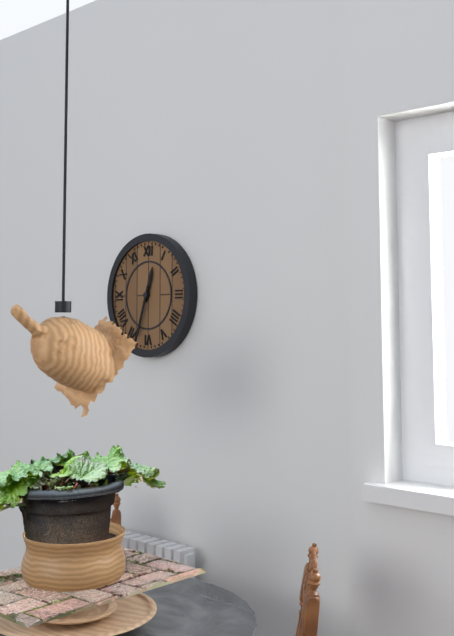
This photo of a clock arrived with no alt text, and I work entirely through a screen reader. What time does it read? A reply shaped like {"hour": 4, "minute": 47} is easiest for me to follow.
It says {"hour": 12, "minute": 33}
